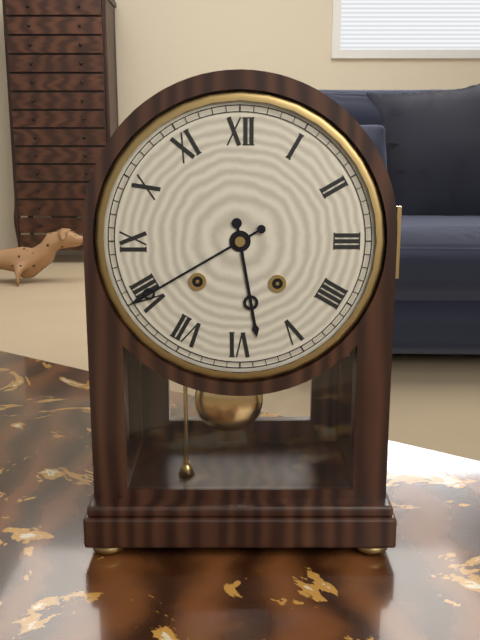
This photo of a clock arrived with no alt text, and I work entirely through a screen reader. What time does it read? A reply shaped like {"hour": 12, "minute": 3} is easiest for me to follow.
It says {"hour": 5, "minute": 40}
